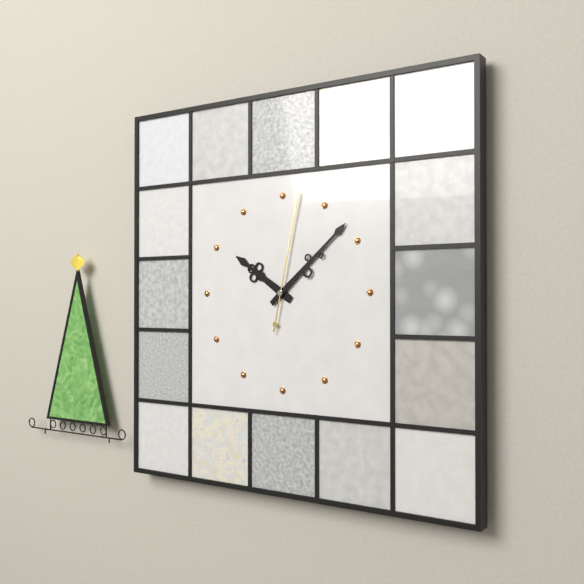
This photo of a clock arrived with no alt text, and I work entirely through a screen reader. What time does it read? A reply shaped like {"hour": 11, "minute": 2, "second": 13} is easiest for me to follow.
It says {"hour": 10, "minute": 8, "second": 2}
